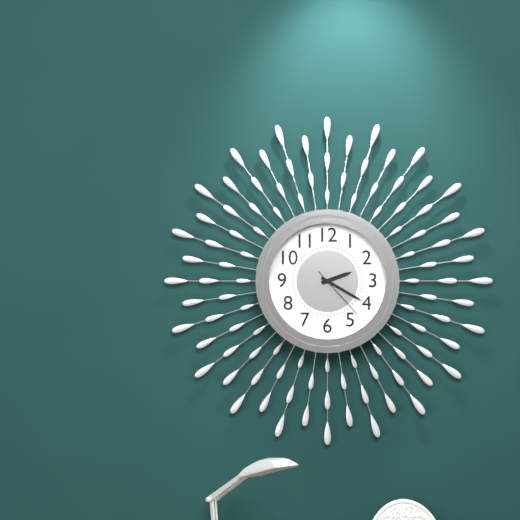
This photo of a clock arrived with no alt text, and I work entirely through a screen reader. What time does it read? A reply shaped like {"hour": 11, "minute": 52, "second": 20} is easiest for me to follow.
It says {"hour": 2, "minute": 20, "second": 23}
